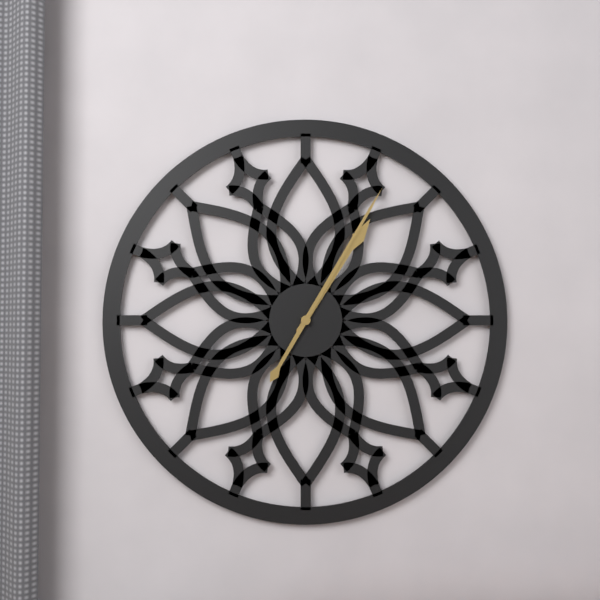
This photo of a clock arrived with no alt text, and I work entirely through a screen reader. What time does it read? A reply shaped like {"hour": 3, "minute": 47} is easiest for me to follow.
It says {"hour": 1, "minute": 5}
